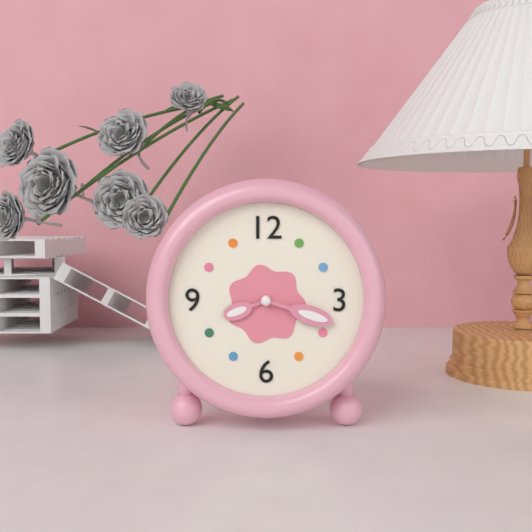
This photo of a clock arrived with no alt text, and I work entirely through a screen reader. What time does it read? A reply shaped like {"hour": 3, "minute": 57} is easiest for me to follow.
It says {"hour": 8, "minute": 18}
